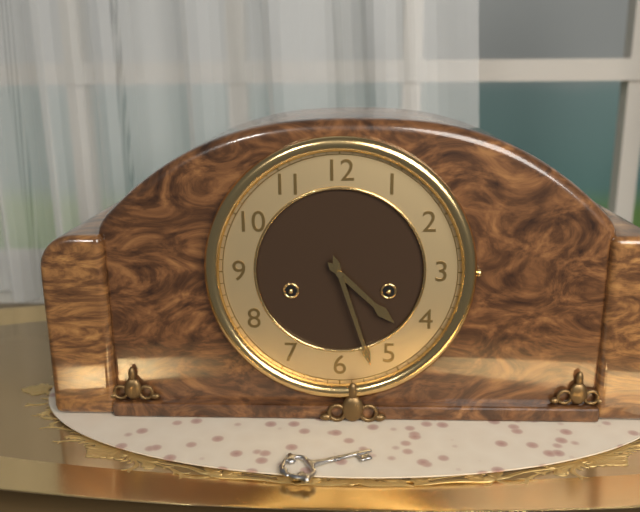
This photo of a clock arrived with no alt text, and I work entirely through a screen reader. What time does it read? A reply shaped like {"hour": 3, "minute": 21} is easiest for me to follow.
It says {"hour": 4, "minute": 27}
